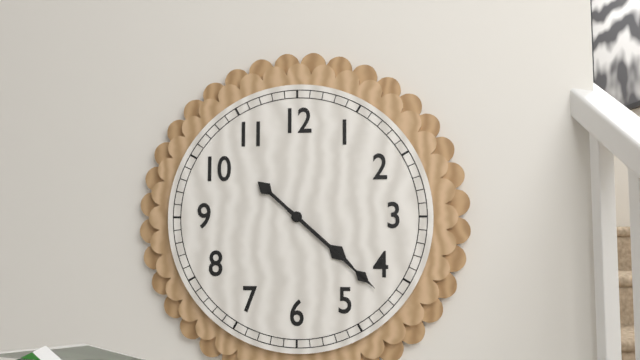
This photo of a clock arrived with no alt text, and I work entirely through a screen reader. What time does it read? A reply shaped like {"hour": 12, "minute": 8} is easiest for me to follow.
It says {"hour": 4, "minute": 22}
